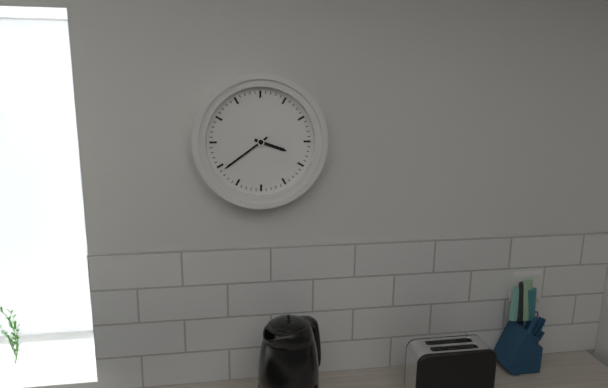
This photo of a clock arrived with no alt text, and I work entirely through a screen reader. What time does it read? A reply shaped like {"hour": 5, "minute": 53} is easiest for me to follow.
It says {"hour": 3, "minute": 39}
